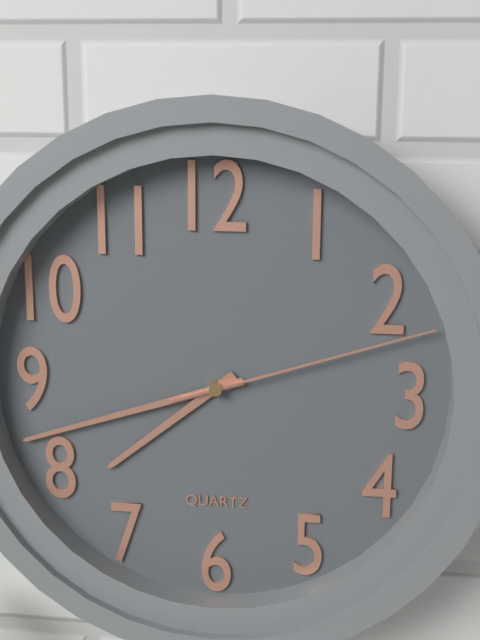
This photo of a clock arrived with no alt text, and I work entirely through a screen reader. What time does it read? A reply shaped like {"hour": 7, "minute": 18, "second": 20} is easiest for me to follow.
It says {"hour": 7, "minute": 42, "second": 12}
